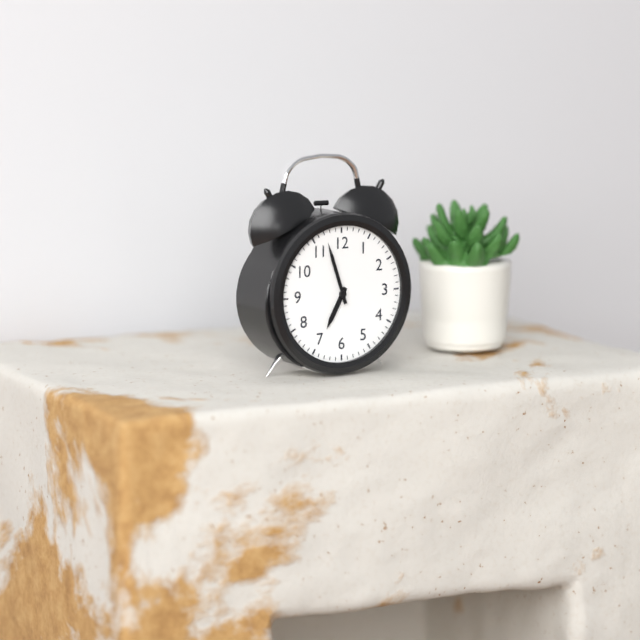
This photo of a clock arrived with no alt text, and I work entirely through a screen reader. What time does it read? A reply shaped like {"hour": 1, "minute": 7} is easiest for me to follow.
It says {"hour": 6, "minute": 57}
